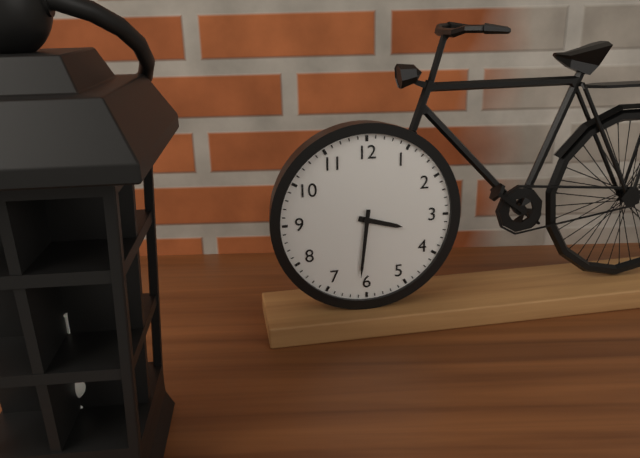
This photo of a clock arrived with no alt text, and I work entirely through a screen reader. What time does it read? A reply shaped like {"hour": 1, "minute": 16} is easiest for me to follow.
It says {"hour": 3, "minute": 31}
